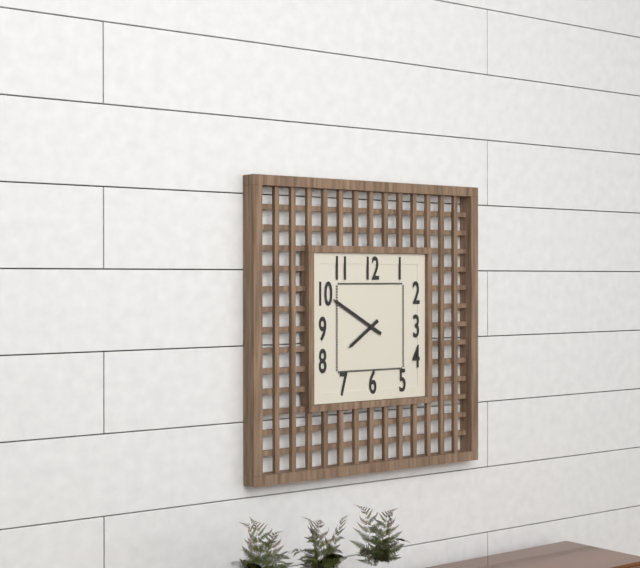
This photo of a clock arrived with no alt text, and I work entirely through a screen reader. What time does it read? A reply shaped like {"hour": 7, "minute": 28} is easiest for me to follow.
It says {"hour": 7, "minute": 50}
